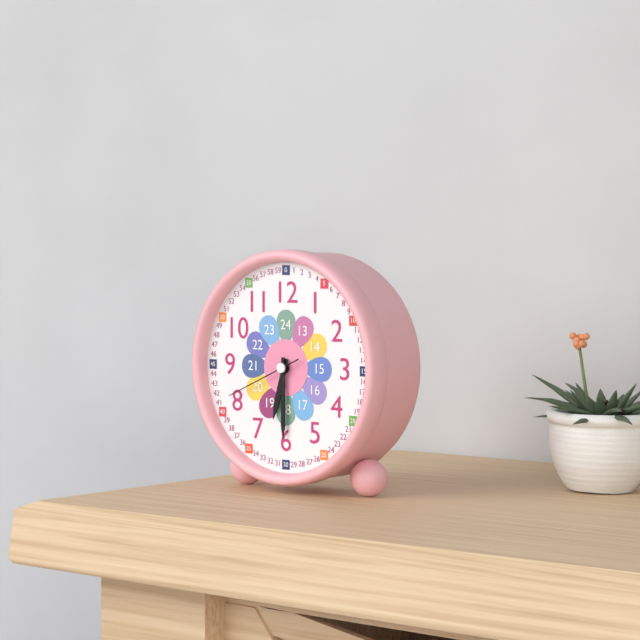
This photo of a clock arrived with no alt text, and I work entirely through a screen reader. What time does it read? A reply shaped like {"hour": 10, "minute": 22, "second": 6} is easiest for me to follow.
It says {"hour": 6, "minute": 30, "second": 41}
